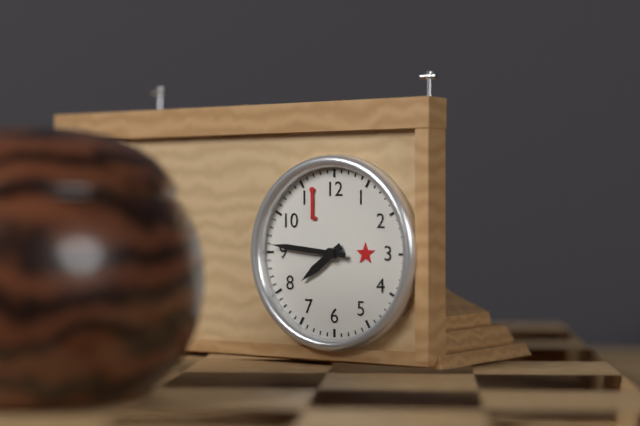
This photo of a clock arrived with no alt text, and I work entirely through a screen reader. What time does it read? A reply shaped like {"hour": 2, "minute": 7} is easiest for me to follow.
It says {"hour": 7, "minute": 46}
